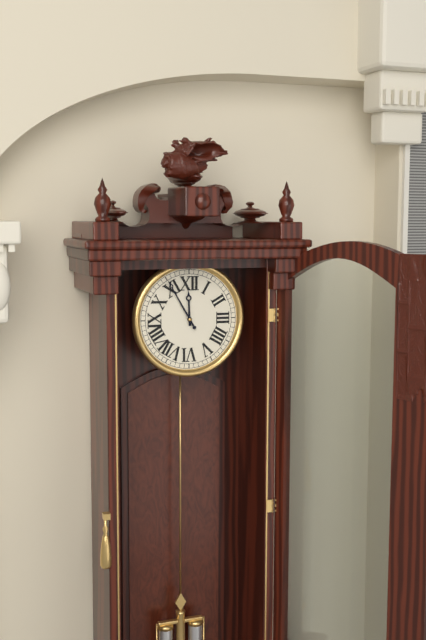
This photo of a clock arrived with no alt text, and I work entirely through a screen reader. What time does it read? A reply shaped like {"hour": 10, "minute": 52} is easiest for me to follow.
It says {"hour": 11, "minute": 55}
